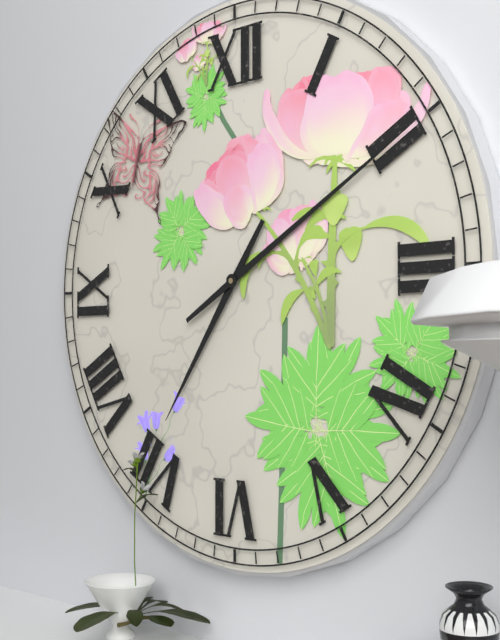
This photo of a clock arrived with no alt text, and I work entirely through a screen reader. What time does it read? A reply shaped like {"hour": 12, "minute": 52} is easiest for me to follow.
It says {"hour": 7, "minute": 10}
